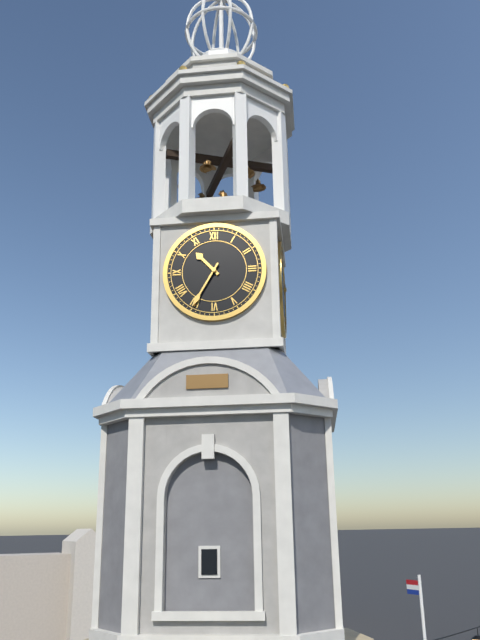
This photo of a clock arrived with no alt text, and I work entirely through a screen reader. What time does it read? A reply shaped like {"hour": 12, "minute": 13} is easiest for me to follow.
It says {"hour": 10, "minute": 35}
